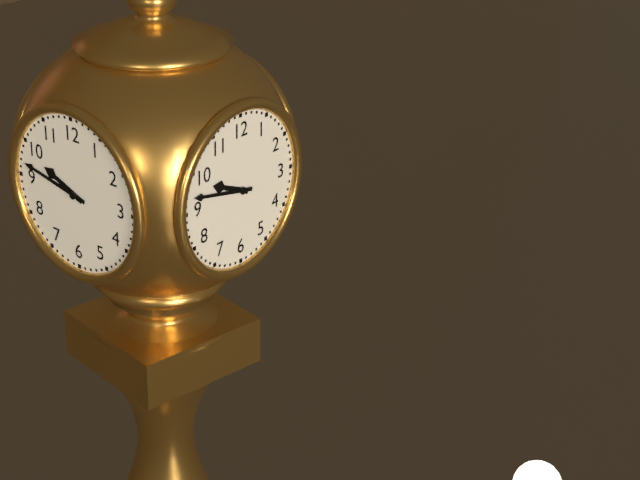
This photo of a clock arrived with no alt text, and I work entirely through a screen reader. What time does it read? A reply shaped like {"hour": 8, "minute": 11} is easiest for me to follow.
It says {"hour": 9, "minute": 47}
